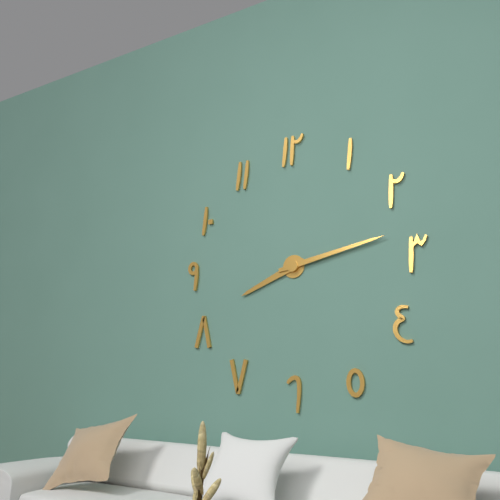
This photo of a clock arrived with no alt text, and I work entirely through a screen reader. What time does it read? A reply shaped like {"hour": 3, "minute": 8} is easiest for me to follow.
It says {"hour": 8, "minute": 13}
